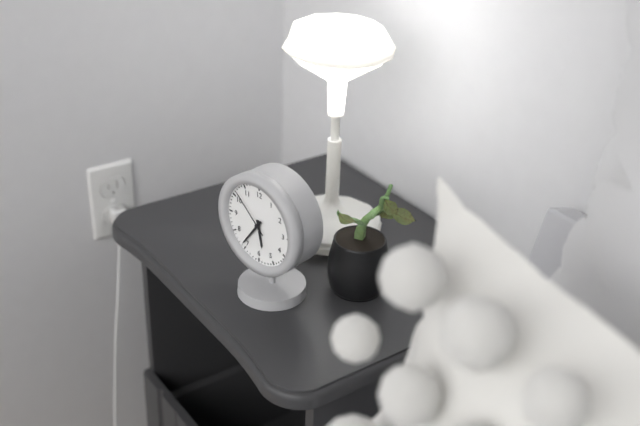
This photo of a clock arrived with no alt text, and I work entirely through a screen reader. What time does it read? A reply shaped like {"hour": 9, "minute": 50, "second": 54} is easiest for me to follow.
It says {"hour": 5, "minute": 36, "second": 52}
